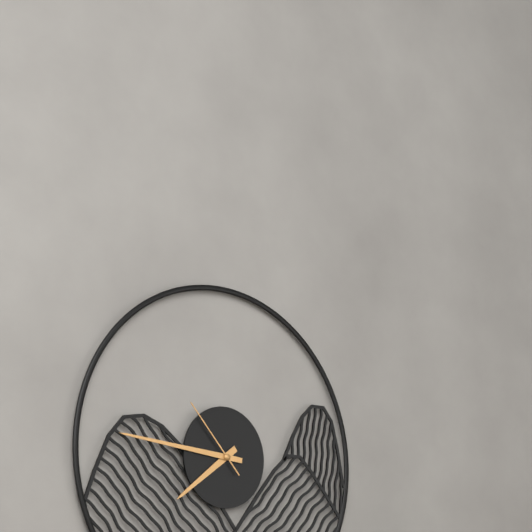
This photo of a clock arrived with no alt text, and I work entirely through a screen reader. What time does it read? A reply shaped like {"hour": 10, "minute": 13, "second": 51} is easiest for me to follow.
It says {"hour": 7, "minute": 46, "second": 53}
